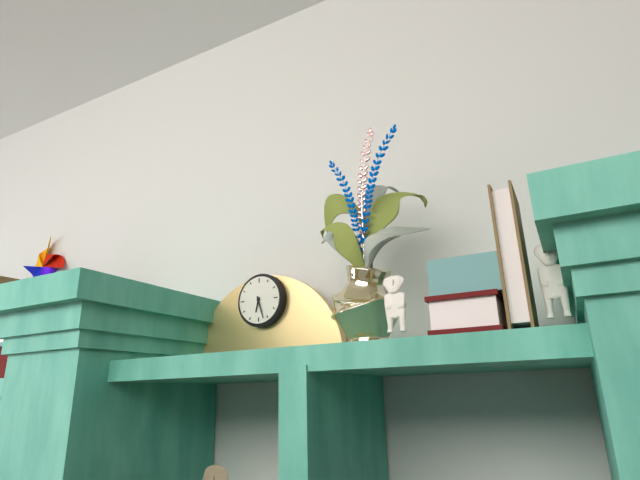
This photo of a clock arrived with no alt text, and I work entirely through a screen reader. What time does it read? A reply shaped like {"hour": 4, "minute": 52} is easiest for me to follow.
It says {"hour": 6, "minute": 27}
